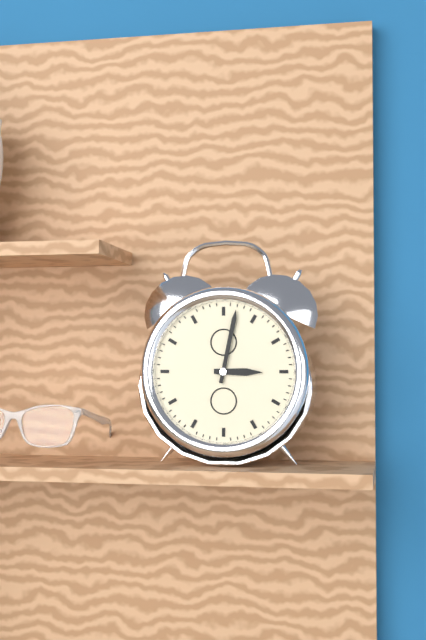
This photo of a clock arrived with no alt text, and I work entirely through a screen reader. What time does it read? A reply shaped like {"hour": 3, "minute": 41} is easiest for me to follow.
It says {"hour": 3, "minute": 2}
